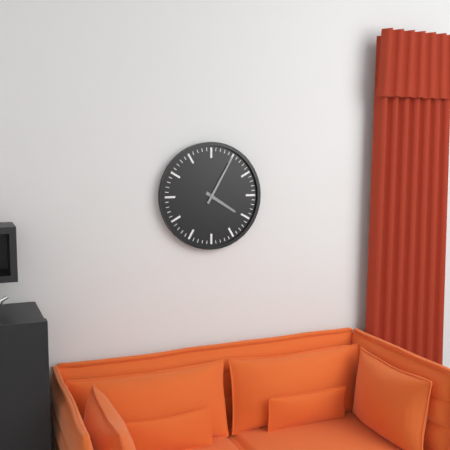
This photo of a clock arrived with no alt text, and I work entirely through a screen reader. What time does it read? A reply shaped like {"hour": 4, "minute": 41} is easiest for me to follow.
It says {"hour": 4, "minute": 5}
